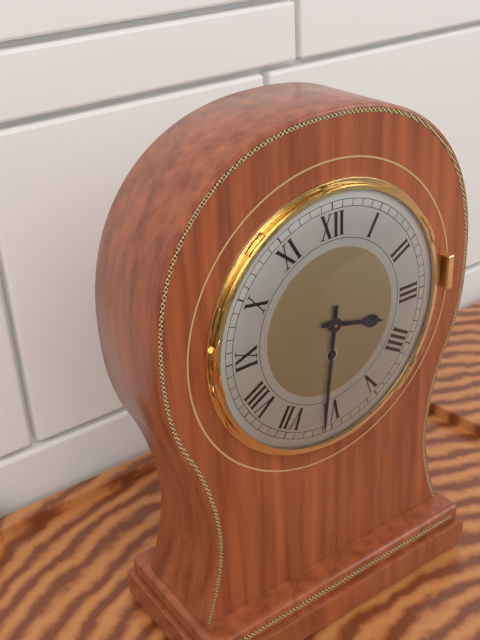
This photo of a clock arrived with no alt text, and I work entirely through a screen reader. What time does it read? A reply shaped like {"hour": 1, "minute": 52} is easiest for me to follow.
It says {"hour": 3, "minute": 31}
